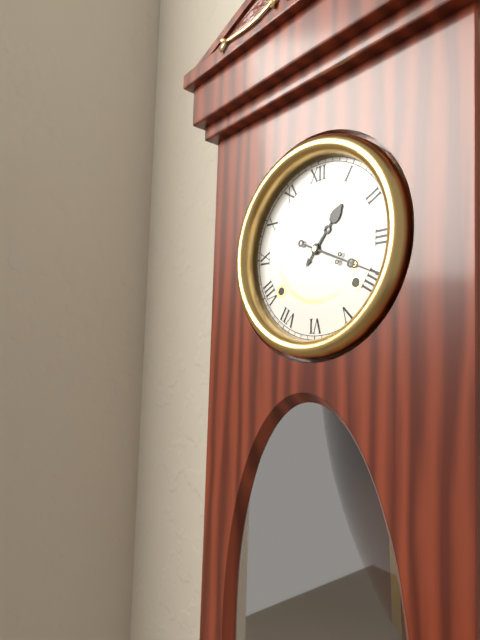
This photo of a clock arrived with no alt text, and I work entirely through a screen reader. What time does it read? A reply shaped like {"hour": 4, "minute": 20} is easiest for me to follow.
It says {"hour": 1, "minute": 19}
